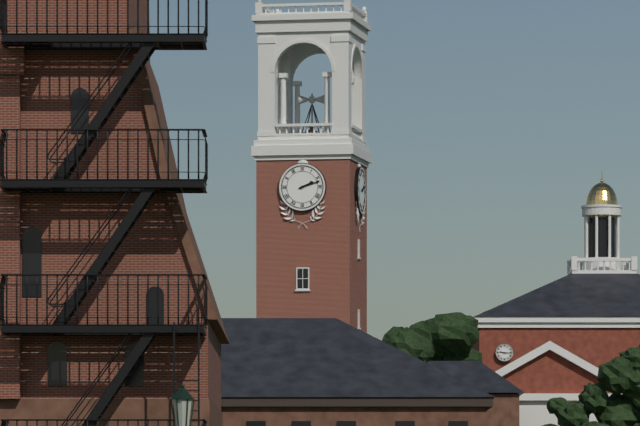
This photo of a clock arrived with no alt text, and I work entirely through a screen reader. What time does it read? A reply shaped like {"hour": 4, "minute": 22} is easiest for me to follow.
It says {"hour": 2, "minute": 12}
